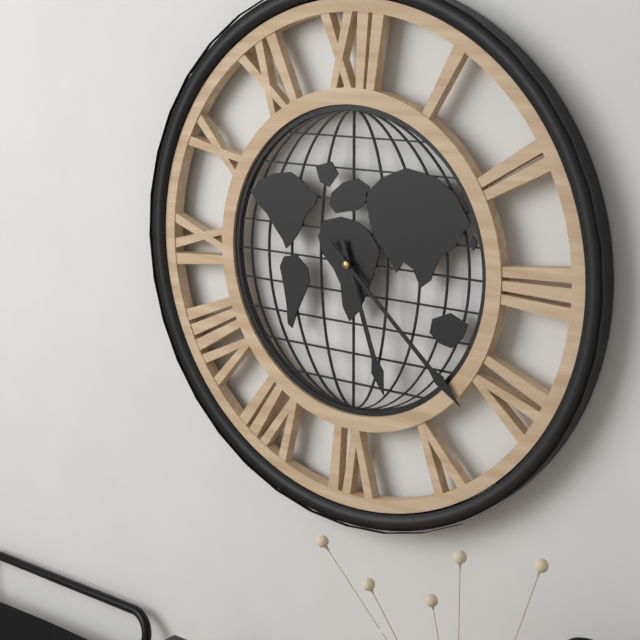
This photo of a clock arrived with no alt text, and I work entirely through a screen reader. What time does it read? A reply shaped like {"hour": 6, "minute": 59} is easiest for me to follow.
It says {"hour": 5, "minute": 22}
